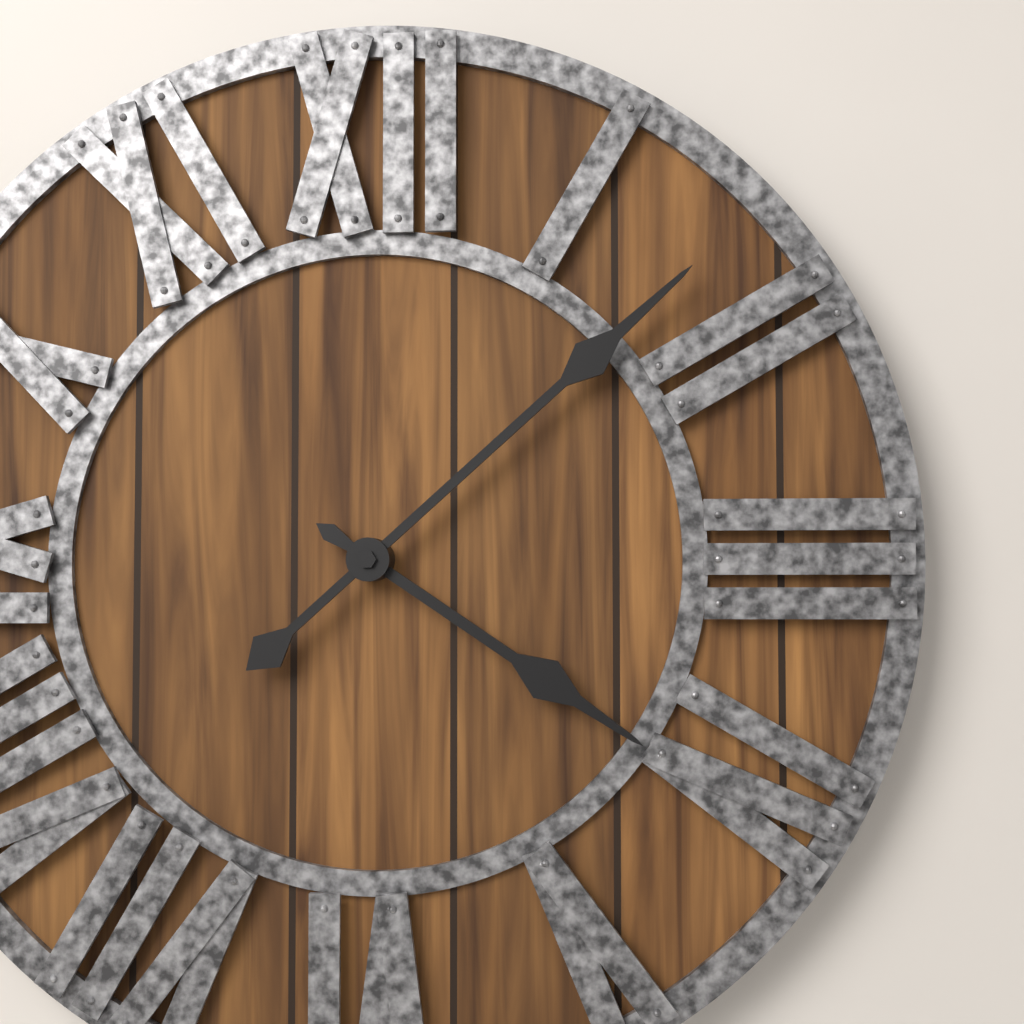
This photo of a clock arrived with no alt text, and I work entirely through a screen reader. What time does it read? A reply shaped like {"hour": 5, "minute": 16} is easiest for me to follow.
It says {"hour": 4, "minute": 8}
